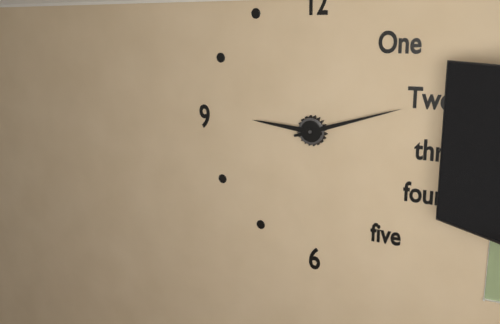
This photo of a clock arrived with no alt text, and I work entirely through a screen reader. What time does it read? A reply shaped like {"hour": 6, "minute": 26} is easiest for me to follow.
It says {"hour": 9, "minute": 12}
